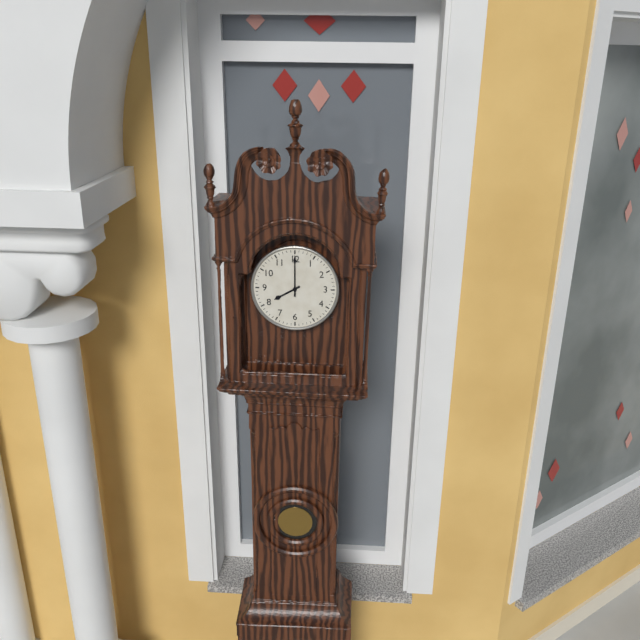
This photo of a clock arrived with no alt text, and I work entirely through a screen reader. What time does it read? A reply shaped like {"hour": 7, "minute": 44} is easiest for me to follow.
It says {"hour": 8, "minute": 0}
